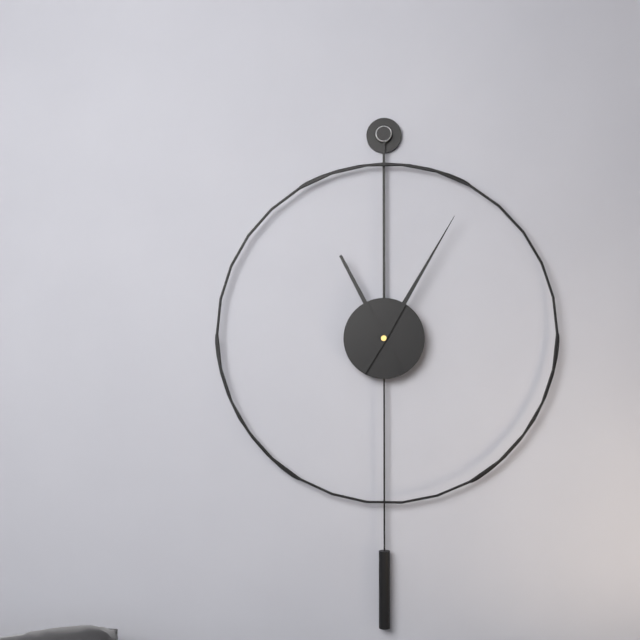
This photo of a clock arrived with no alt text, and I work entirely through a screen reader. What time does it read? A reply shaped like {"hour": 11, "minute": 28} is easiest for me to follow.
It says {"hour": 11, "minute": 5}
